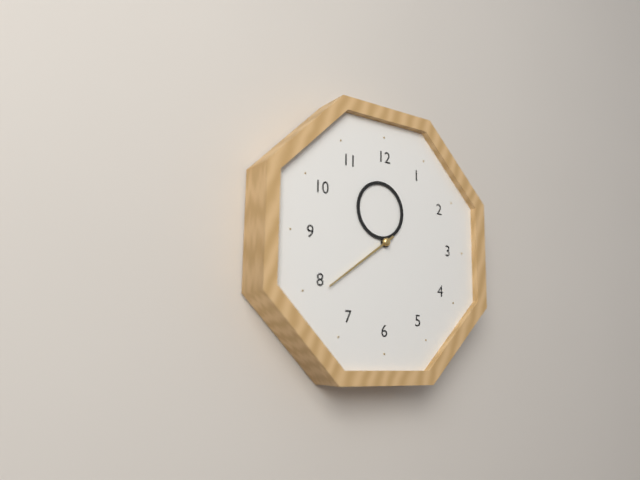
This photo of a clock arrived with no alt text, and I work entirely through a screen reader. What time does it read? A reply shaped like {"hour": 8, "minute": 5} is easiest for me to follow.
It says {"hour": 11, "minute": 39}
